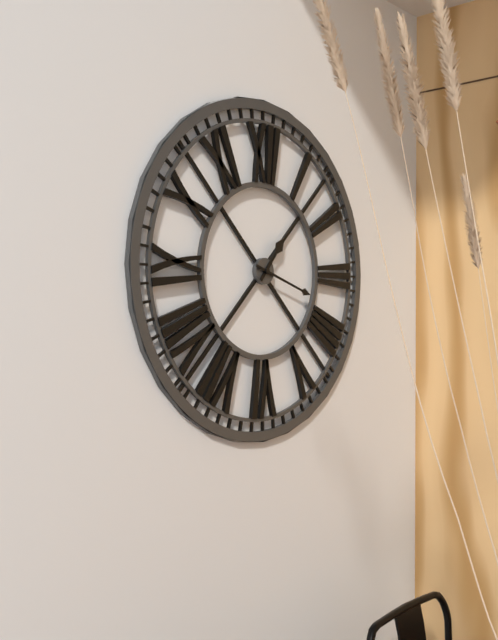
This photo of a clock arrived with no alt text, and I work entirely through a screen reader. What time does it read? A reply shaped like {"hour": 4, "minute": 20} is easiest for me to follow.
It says {"hour": 1, "minute": 18}
